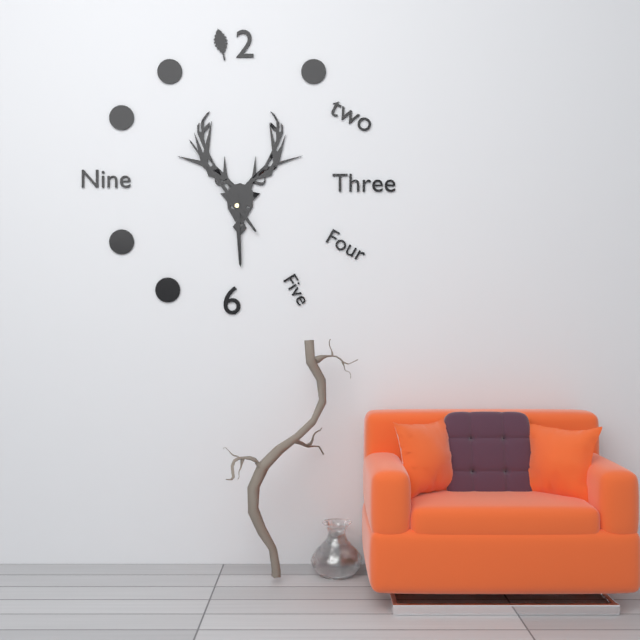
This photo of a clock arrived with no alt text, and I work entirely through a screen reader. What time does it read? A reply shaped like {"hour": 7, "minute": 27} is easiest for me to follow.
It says {"hour": 5, "minute": 54}
